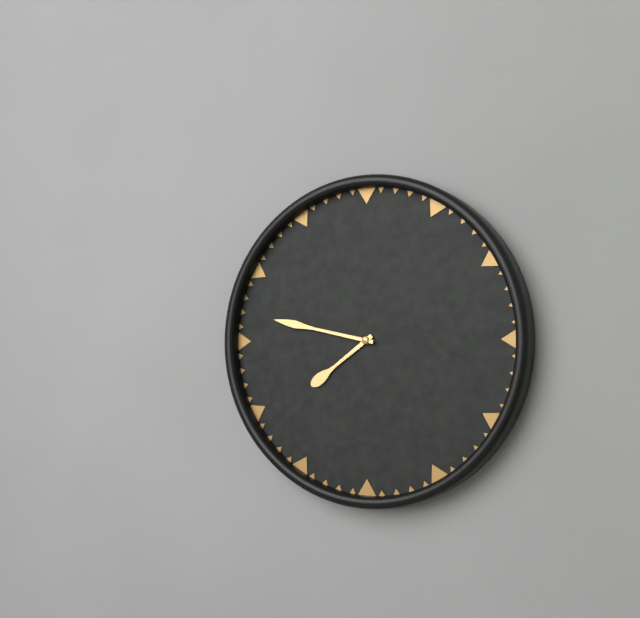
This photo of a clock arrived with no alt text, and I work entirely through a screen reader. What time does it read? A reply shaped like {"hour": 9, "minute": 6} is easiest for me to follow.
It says {"hour": 7, "minute": 47}
